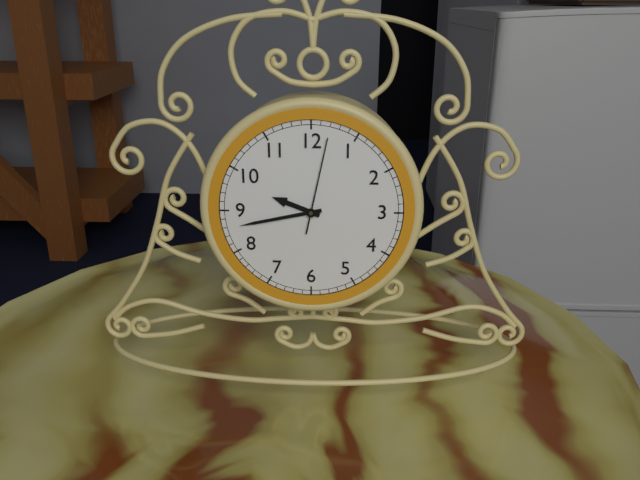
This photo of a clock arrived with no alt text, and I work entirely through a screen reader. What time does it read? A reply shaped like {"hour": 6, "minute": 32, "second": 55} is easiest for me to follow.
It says {"hour": 9, "minute": 43, "second": 2}
